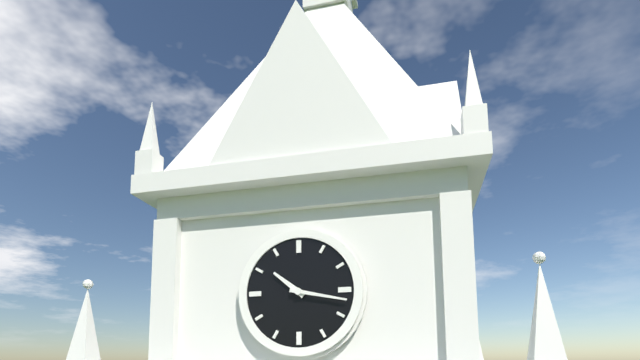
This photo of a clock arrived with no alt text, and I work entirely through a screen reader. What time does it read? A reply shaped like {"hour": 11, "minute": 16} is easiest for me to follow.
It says {"hour": 10, "minute": 17}
